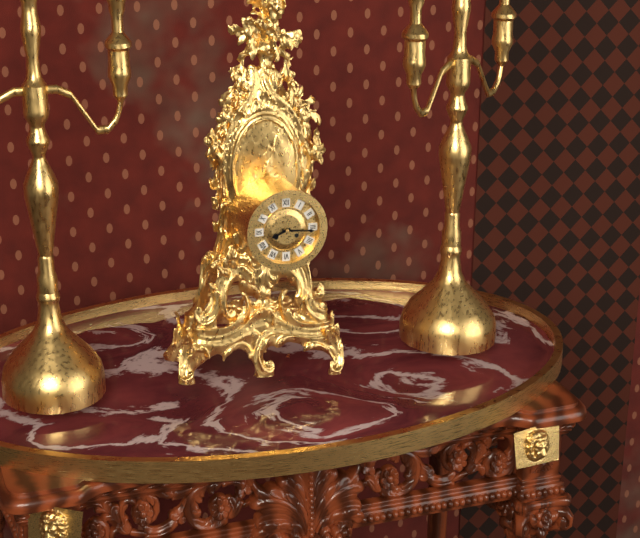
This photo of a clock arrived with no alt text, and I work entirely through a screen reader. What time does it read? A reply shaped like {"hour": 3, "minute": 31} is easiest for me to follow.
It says {"hour": 8, "minute": 16}
